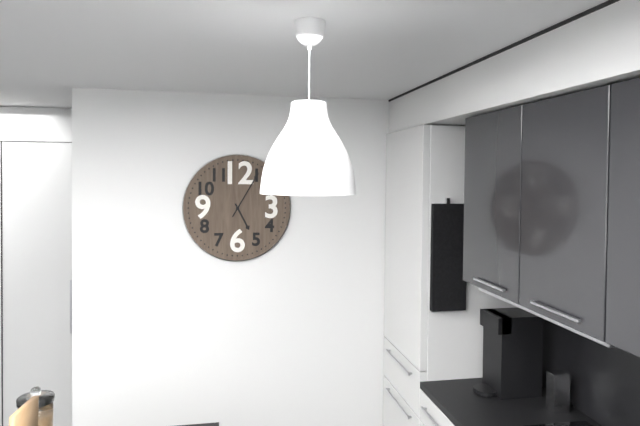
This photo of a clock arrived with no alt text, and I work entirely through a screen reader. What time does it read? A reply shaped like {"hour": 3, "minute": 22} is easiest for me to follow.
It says {"hour": 5, "minute": 5}
